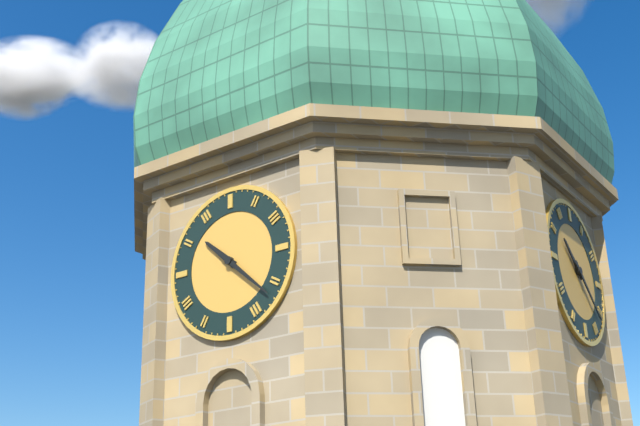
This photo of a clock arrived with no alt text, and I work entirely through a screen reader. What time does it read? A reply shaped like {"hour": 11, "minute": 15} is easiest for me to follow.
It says {"hour": 10, "minute": 22}
